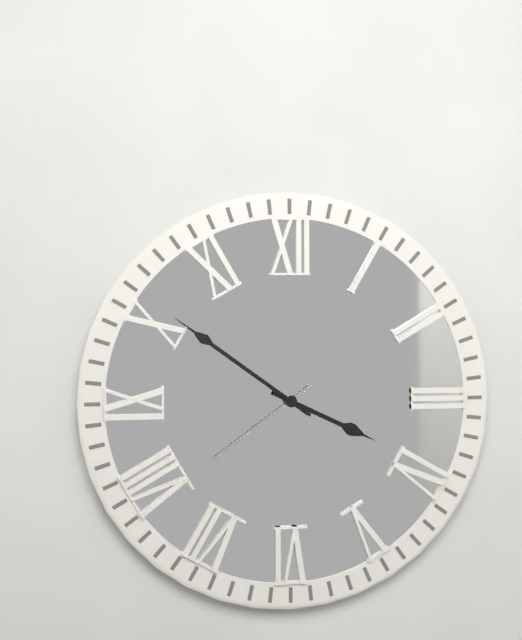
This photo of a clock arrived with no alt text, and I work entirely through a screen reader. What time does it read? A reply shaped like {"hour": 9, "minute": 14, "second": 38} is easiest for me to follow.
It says {"hour": 3, "minute": 51, "second": 39}
